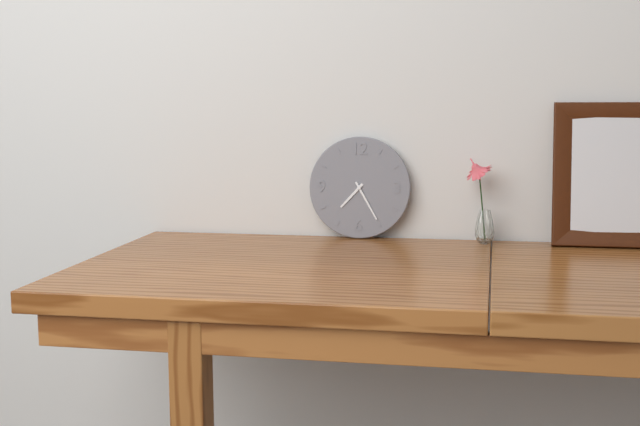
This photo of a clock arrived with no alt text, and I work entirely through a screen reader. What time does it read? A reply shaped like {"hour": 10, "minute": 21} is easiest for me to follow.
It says {"hour": 7, "minute": 25}
